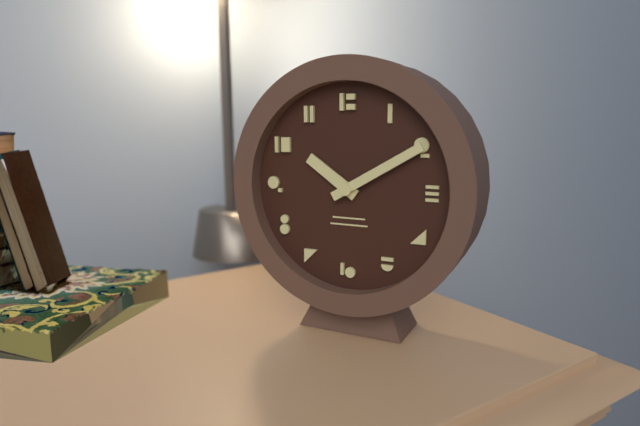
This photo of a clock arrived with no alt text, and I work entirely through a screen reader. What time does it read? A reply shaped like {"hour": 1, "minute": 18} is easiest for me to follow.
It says {"hour": 10, "minute": 10}
